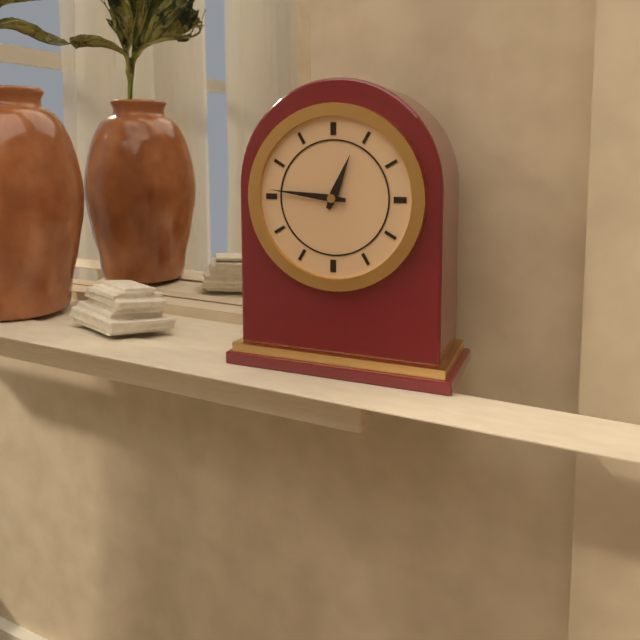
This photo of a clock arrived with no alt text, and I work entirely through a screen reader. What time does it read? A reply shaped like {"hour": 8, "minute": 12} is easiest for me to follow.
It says {"hour": 12, "minute": 46}
